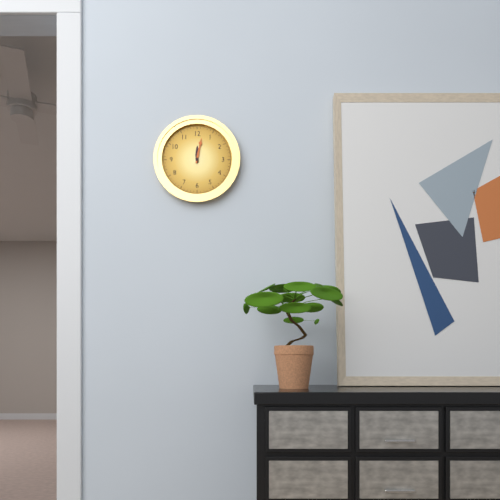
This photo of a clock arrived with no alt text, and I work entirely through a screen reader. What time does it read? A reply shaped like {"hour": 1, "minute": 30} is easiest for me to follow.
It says {"hour": 12, "minute": 2}
